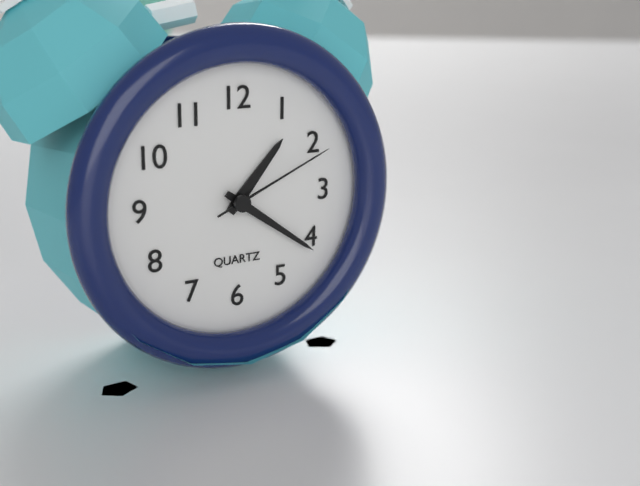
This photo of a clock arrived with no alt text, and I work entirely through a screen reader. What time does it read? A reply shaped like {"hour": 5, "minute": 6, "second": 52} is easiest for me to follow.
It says {"hour": 1, "minute": 21, "second": 11}
